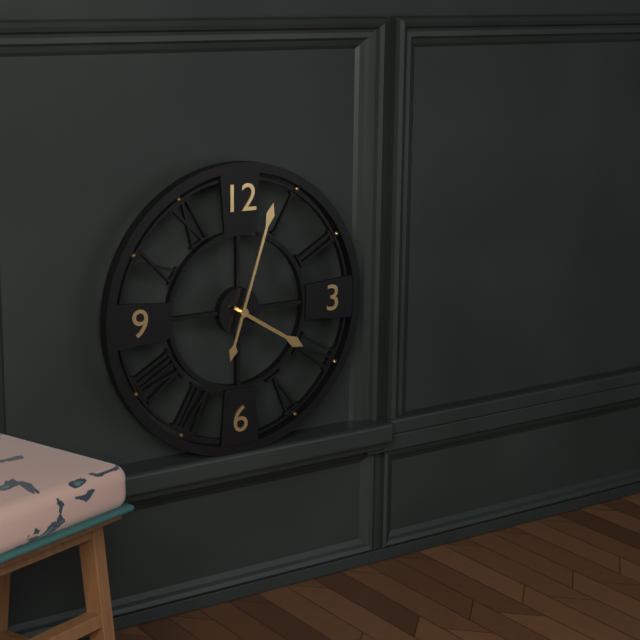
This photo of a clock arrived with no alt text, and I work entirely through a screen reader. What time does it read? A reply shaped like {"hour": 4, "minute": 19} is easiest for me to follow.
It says {"hour": 4, "minute": 3}
